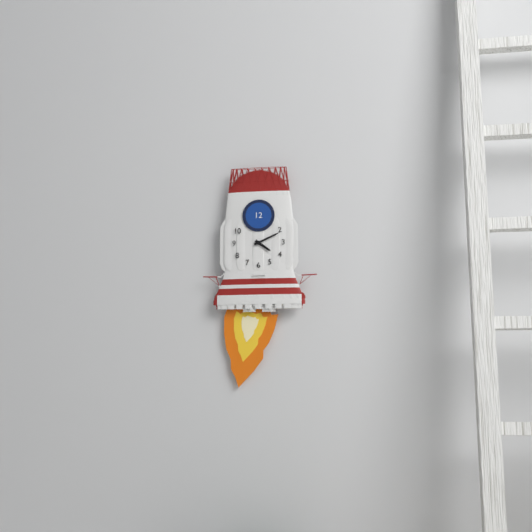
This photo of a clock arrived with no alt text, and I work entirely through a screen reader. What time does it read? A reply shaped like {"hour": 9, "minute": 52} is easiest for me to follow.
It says {"hour": 4, "minute": 11}
